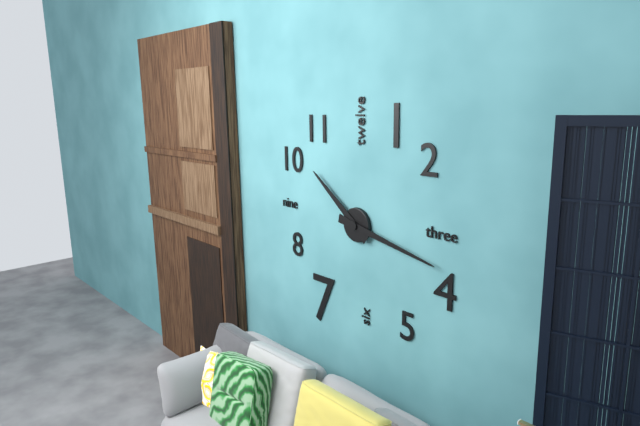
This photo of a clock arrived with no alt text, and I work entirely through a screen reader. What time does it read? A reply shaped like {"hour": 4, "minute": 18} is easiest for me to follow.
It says {"hour": 10, "minute": 17}
